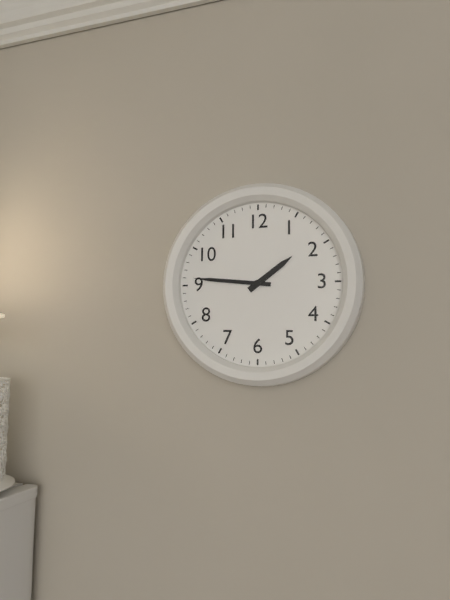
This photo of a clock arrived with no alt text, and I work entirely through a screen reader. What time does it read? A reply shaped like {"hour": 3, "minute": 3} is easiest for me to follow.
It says {"hour": 1, "minute": 46}
